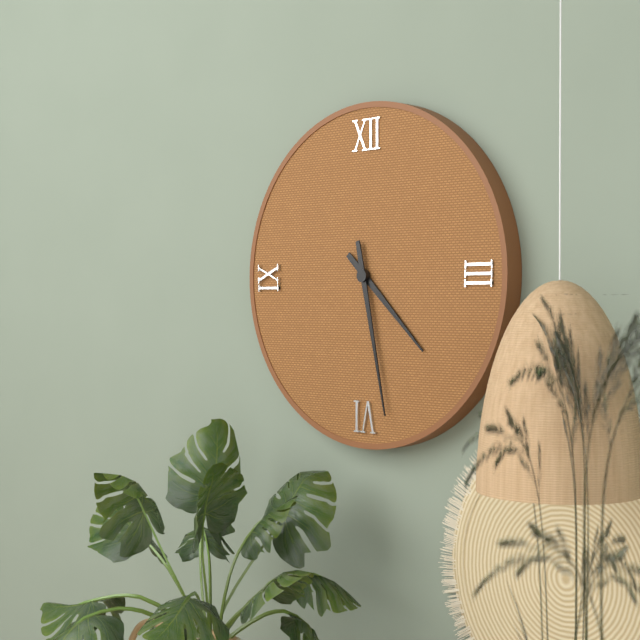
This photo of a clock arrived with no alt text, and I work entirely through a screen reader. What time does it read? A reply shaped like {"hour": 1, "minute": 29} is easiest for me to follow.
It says {"hour": 4, "minute": 28}
